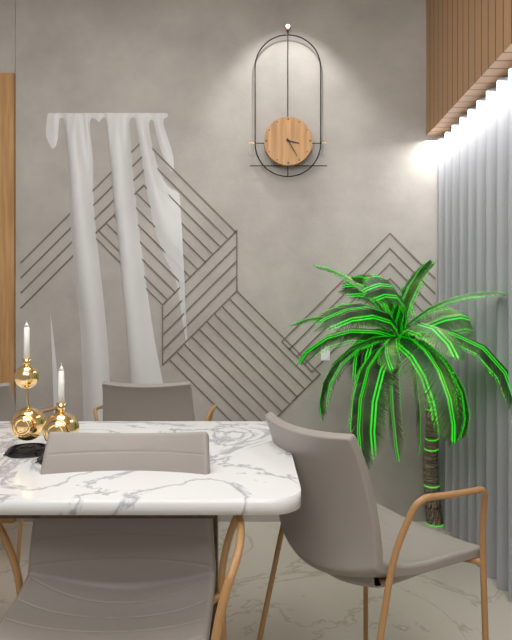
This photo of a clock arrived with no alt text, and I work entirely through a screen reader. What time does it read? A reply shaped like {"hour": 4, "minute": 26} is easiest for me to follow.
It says {"hour": 3, "minute": 25}
